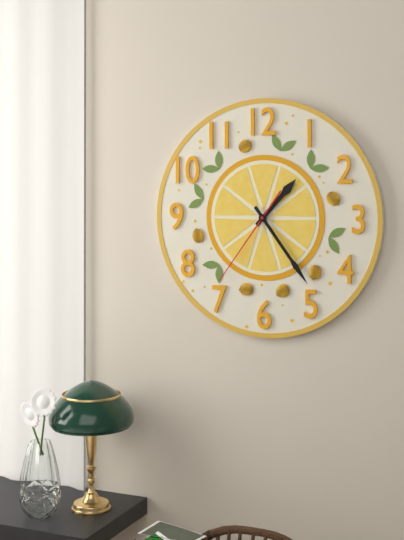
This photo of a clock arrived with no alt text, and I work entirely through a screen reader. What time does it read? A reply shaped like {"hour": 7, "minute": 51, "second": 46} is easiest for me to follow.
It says {"hour": 1, "minute": 24, "second": 36}
